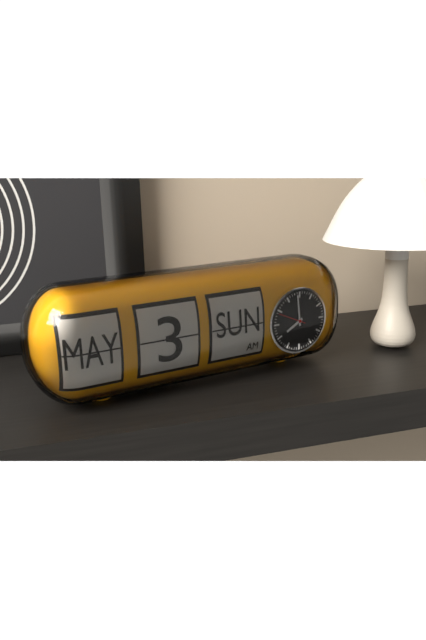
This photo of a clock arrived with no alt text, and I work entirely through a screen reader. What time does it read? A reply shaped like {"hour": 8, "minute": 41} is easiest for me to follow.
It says {"hour": 7, "minute": 59}
